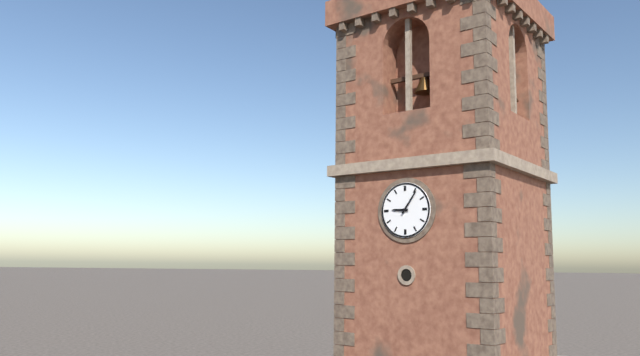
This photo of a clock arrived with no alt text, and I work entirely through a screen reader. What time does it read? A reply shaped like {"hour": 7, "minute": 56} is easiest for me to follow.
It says {"hour": 9, "minute": 6}
